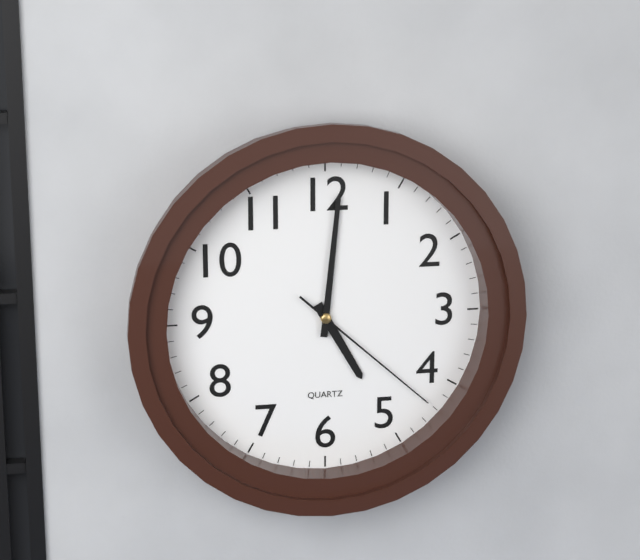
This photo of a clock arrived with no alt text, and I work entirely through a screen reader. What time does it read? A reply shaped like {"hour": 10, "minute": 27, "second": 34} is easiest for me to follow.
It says {"hour": 5, "minute": 1, "second": 22}
